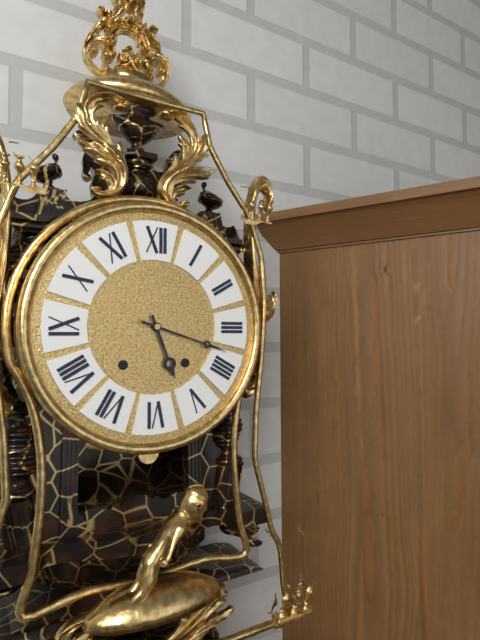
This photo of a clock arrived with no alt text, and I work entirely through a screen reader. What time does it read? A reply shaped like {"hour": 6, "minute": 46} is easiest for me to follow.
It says {"hour": 5, "minute": 18}
